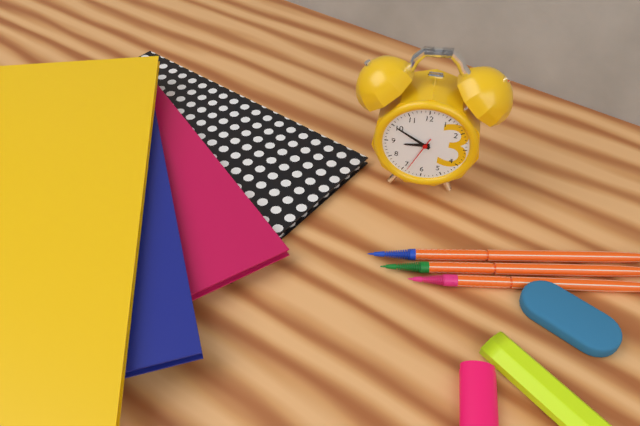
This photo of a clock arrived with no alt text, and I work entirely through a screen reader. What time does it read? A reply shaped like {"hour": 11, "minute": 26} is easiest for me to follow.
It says {"hour": 8, "minute": 50}
